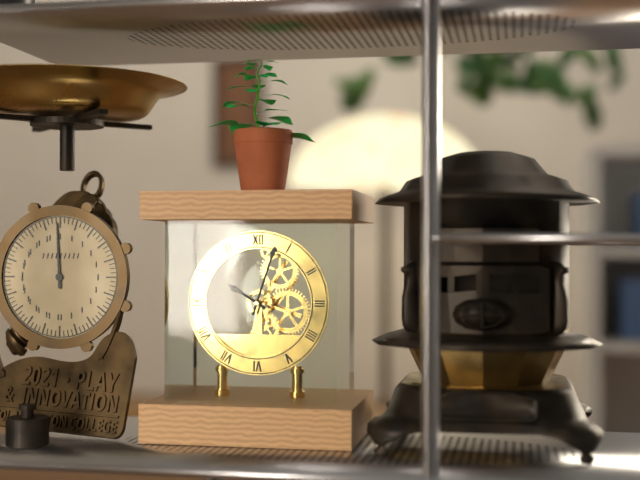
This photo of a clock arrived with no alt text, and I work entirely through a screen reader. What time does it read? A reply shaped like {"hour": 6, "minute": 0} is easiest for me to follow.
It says {"hour": 10, "minute": 3}
